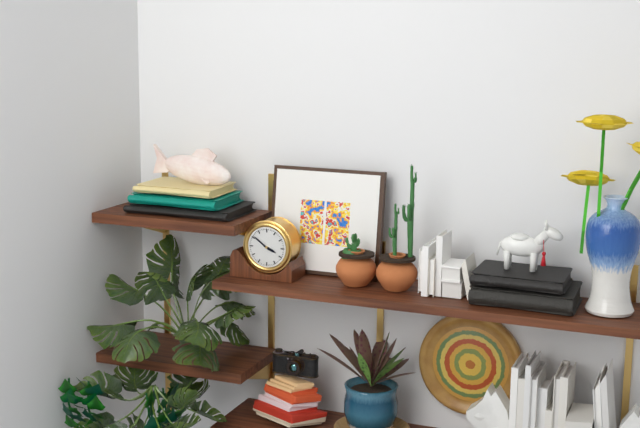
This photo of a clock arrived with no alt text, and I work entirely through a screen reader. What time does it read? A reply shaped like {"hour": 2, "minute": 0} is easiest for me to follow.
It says {"hour": 3, "minute": 51}
